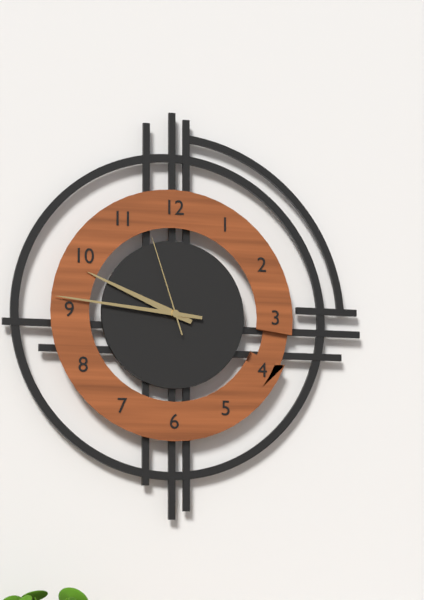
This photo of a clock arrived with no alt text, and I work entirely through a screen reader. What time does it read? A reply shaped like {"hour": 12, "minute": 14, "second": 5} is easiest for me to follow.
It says {"hour": 9, "minute": 46, "second": 57}
